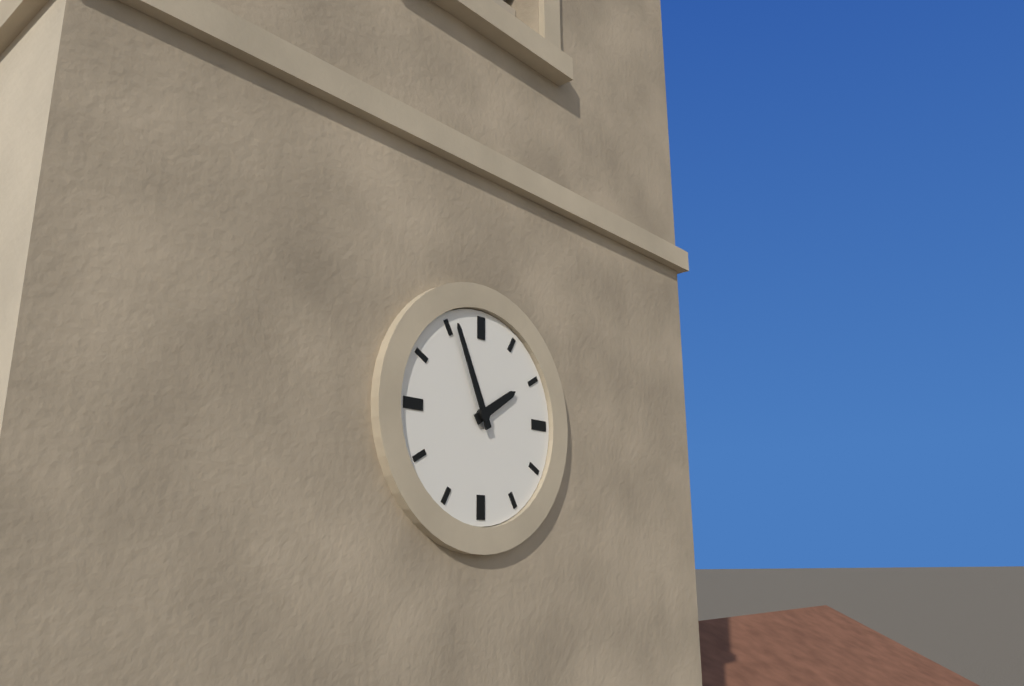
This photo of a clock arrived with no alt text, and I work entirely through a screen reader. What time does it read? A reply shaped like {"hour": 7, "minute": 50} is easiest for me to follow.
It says {"hour": 1, "minute": 56}
